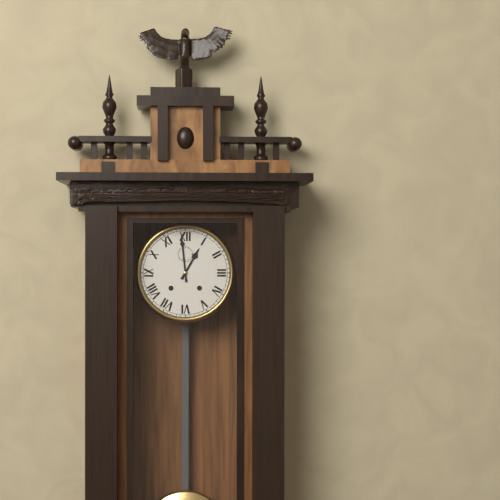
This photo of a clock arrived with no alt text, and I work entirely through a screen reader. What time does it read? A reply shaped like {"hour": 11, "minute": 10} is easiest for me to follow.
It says {"hour": 12, "minute": 59}
